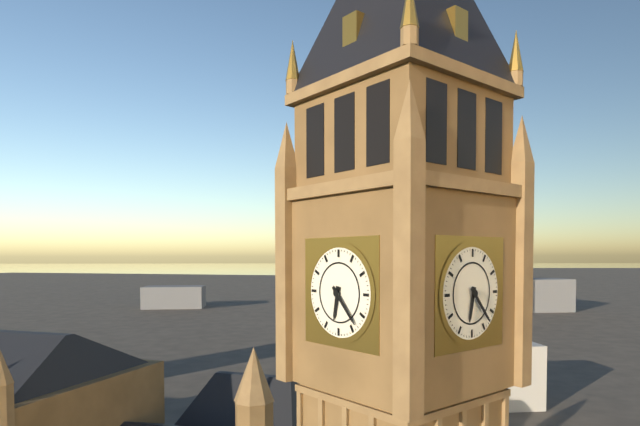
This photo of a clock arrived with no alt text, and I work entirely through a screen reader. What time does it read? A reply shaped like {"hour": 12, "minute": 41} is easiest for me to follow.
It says {"hour": 6, "minute": 23}
